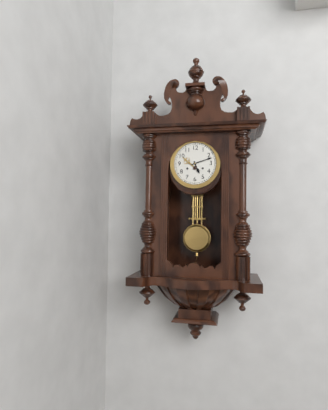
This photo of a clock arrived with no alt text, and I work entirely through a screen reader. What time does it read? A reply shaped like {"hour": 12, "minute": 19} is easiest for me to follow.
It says {"hour": 5, "minute": 12}
